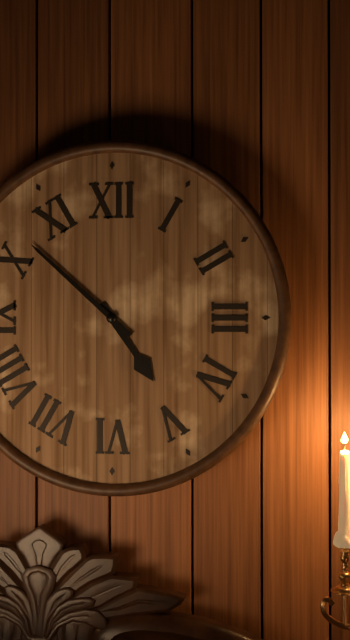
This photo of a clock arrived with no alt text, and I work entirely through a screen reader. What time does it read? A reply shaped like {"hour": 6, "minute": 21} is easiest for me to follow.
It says {"hour": 4, "minute": 52}
